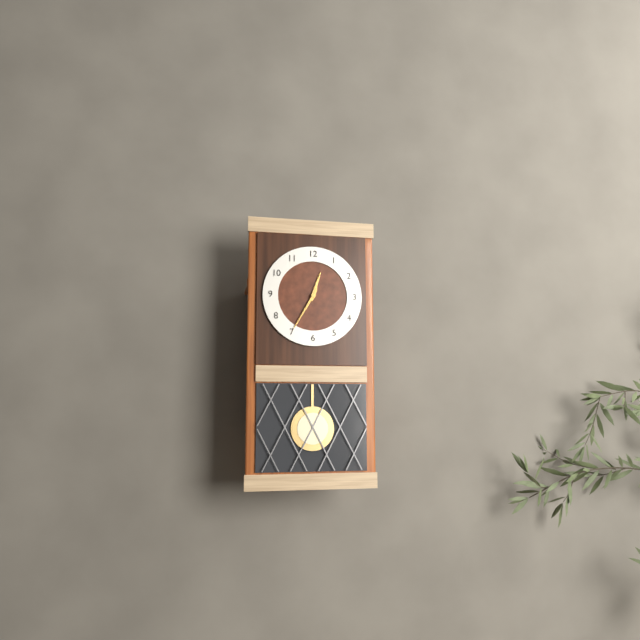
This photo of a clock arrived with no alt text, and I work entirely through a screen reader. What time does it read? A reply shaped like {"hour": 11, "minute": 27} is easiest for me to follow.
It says {"hour": 12, "minute": 35}
